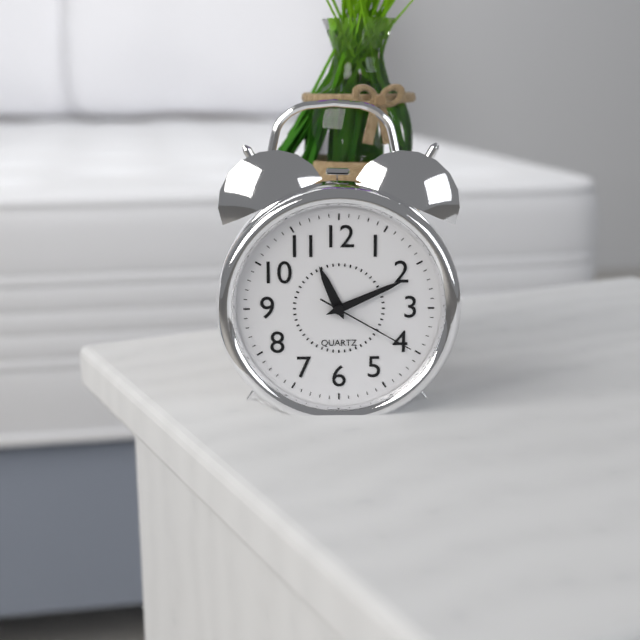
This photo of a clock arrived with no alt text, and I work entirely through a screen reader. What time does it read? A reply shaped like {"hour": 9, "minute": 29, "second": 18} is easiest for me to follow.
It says {"hour": 11, "minute": 11, "second": 20}
